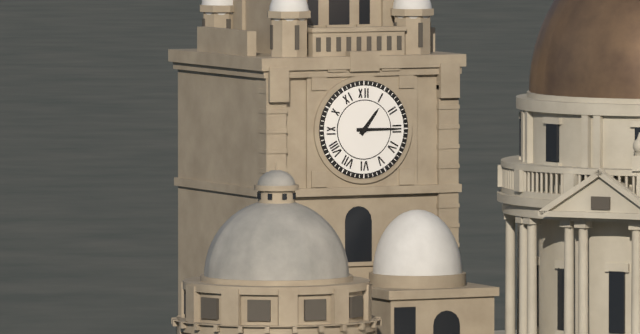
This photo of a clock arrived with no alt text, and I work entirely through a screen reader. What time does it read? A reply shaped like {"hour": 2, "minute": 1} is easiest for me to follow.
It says {"hour": 1, "minute": 15}
